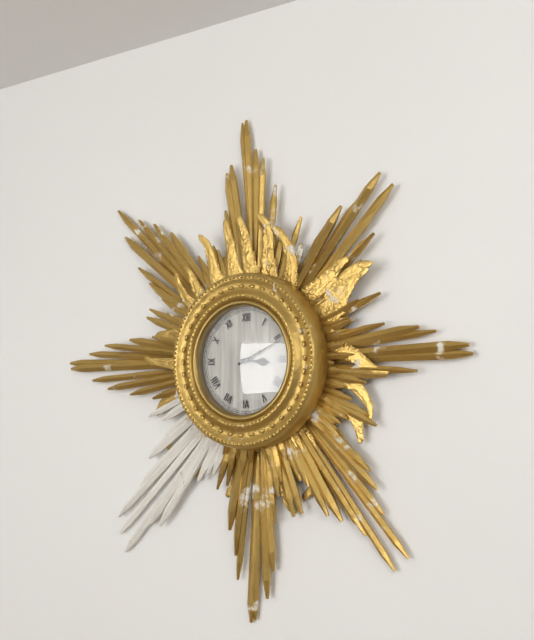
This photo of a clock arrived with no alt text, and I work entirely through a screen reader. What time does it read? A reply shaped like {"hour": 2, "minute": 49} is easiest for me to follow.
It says {"hour": 3, "minute": 11}
